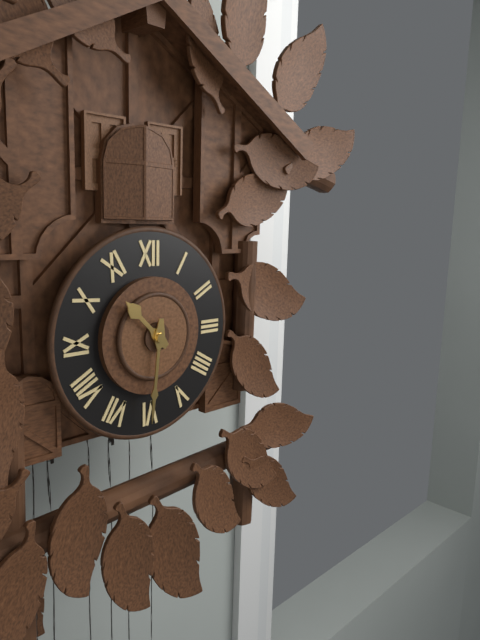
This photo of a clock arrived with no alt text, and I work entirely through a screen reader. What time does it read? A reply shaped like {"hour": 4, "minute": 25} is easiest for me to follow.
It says {"hour": 10, "minute": 31}
